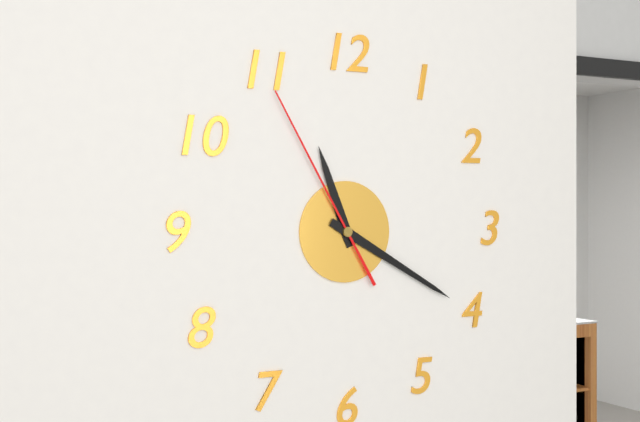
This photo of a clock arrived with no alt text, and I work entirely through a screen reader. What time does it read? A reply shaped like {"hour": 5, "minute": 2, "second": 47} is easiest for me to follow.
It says {"hour": 11, "minute": 20, "second": 55}
